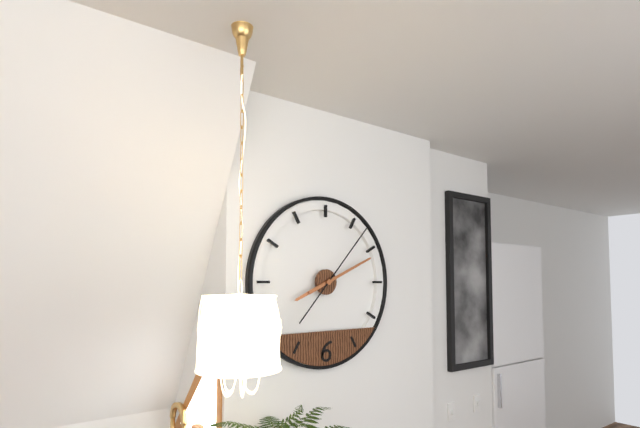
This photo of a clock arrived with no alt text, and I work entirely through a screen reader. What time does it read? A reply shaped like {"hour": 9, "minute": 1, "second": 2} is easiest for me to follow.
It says {"hour": 8, "minute": 11, "second": 7}
